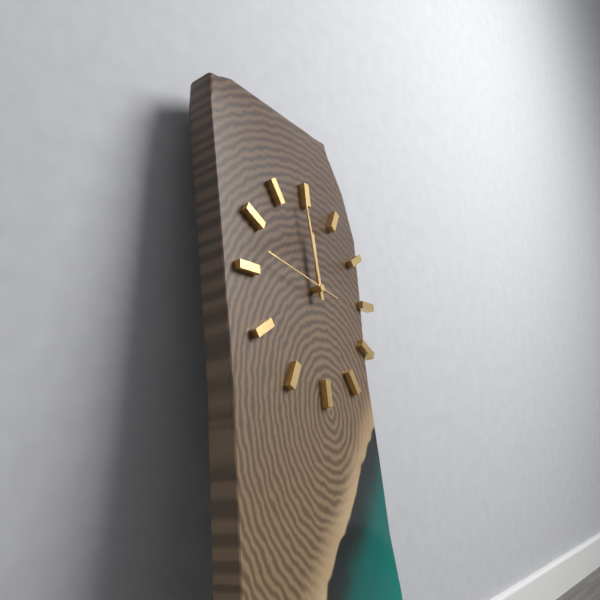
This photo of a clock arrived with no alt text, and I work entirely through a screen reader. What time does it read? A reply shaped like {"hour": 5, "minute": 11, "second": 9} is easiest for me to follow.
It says {"hour": 11, "minute": 59, "second": 47}
